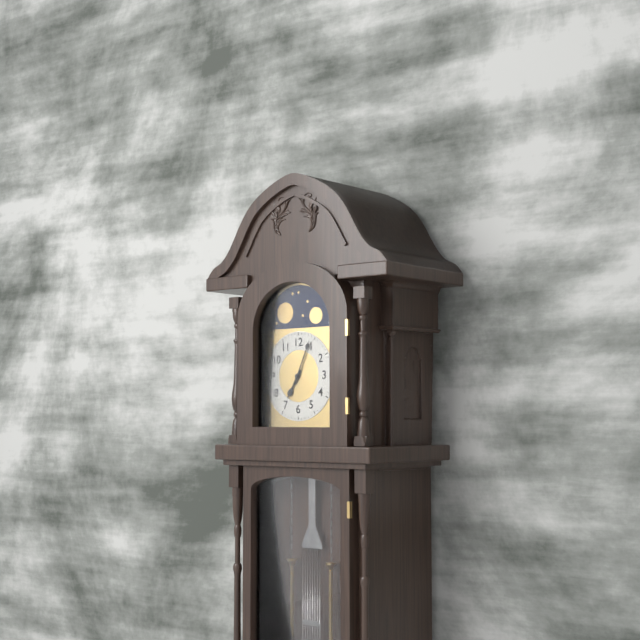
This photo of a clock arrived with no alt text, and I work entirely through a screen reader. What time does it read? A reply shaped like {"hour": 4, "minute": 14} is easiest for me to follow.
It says {"hour": 7, "minute": 4}
